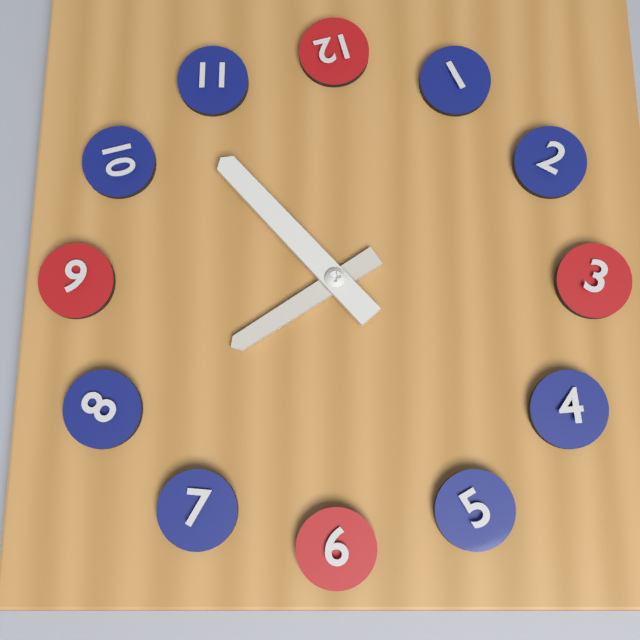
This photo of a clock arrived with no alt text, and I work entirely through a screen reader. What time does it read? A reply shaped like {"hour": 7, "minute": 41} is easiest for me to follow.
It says {"hour": 7, "minute": 53}
